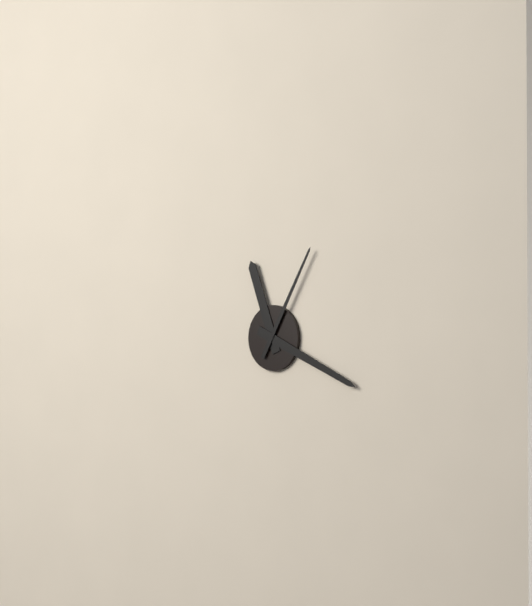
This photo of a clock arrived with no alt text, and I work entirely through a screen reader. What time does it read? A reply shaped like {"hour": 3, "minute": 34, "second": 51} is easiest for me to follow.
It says {"hour": 11, "minute": 19, "second": 5}
